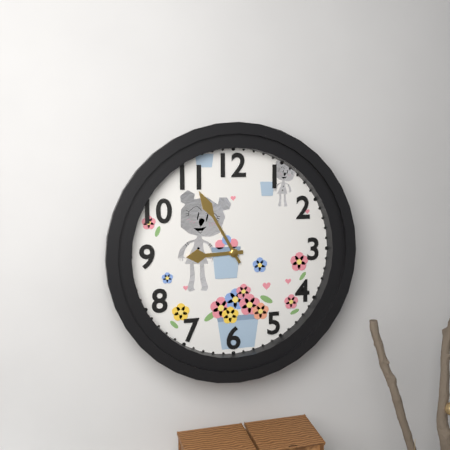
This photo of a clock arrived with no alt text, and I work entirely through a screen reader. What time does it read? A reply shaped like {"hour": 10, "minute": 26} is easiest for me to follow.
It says {"hour": 8, "minute": 55}
